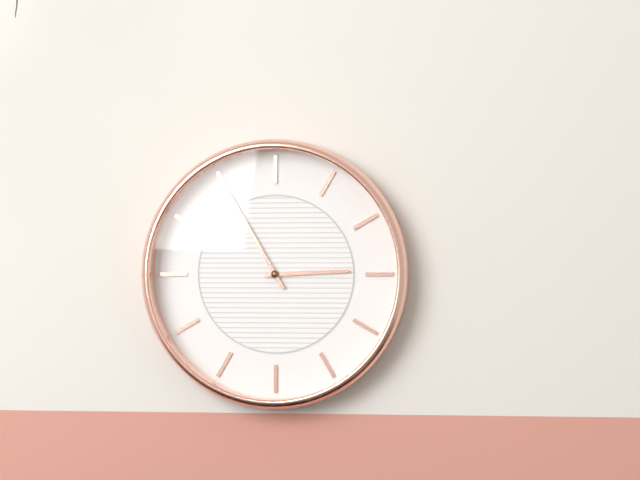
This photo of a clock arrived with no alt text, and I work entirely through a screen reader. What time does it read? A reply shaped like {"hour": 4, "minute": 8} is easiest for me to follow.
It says {"hour": 2, "minute": 55}
